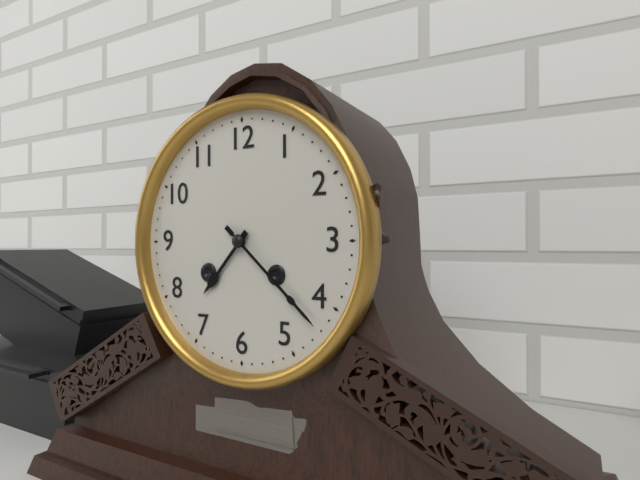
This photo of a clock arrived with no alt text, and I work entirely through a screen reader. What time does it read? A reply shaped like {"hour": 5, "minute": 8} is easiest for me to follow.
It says {"hour": 7, "minute": 22}
